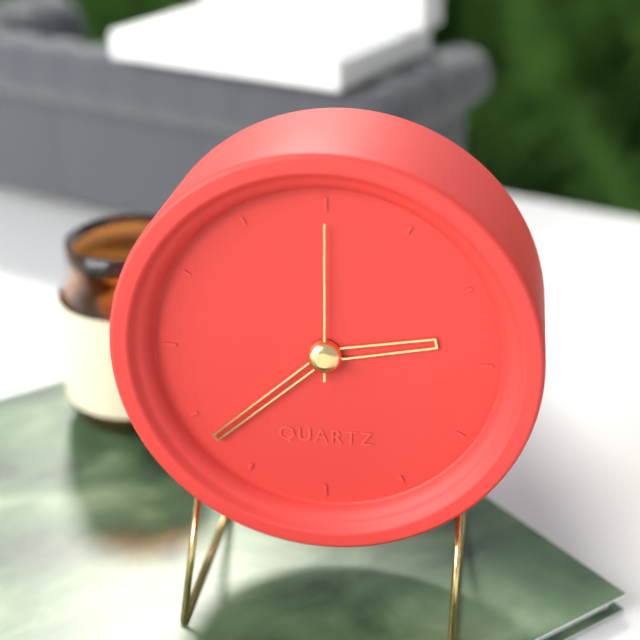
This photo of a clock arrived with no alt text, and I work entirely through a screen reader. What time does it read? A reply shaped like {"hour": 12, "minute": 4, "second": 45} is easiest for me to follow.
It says {"hour": 2, "minute": 38, "second": 0}
